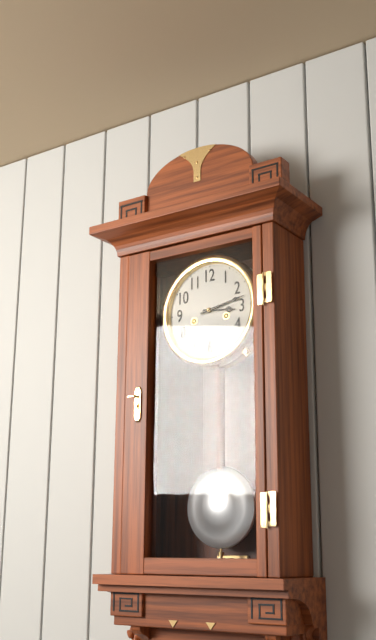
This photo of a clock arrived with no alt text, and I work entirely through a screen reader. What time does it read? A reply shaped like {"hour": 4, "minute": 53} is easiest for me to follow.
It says {"hour": 3, "minute": 13}
